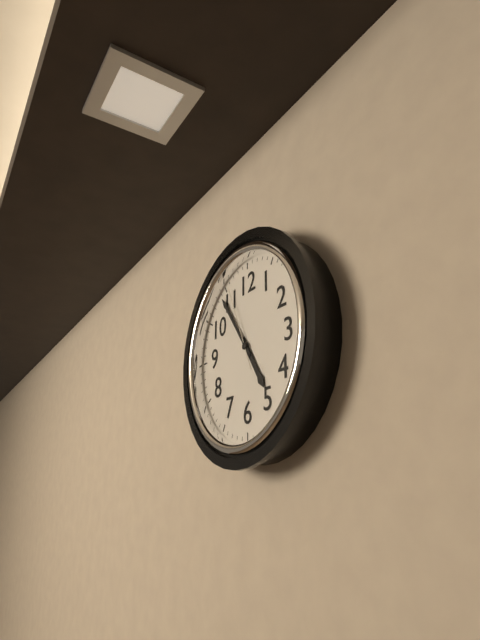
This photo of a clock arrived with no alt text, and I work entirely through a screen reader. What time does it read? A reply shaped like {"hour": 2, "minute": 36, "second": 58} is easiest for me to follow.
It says {"hour": 4, "minute": 54, "second": 56}
